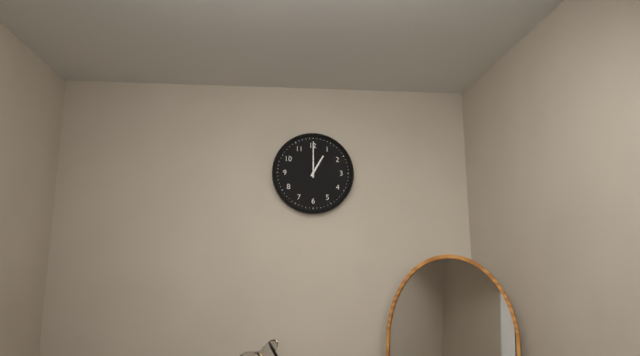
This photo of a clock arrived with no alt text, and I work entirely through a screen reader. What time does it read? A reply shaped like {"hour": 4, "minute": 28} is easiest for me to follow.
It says {"hour": 1, "minute": 0}
